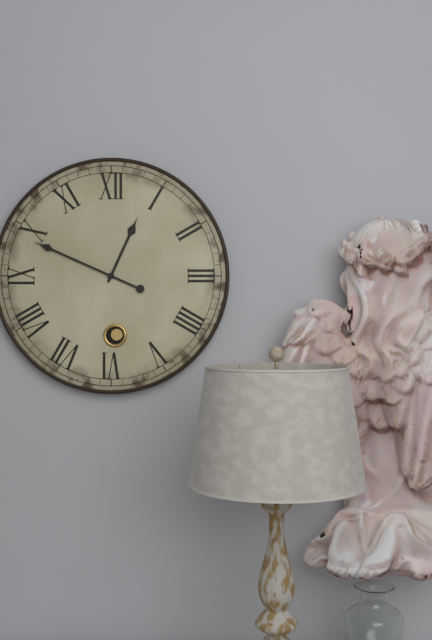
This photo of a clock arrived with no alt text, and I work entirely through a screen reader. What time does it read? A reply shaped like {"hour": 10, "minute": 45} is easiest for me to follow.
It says {"hour": 12, "minute": 49}
